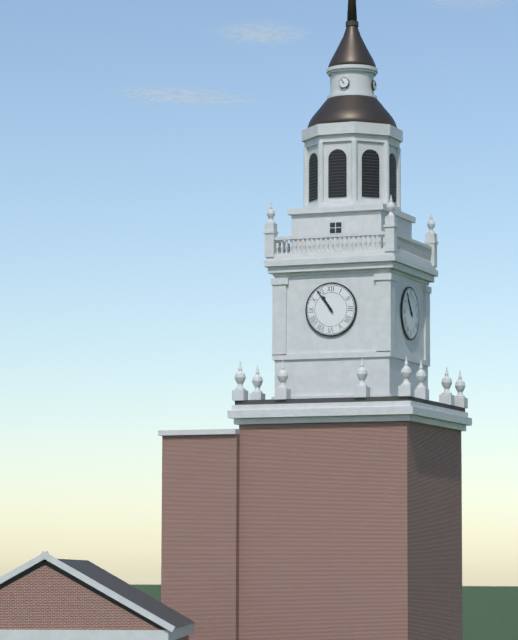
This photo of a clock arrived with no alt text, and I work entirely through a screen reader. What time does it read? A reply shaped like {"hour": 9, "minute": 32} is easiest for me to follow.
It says {"hour": 10, "minute": 54}
